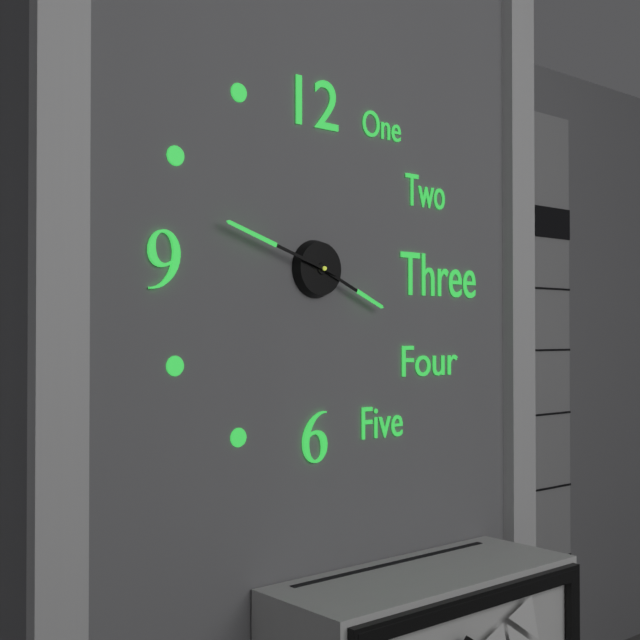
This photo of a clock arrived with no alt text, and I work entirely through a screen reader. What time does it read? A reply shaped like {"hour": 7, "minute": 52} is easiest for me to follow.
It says {"hour": 3, "minute": 48}
